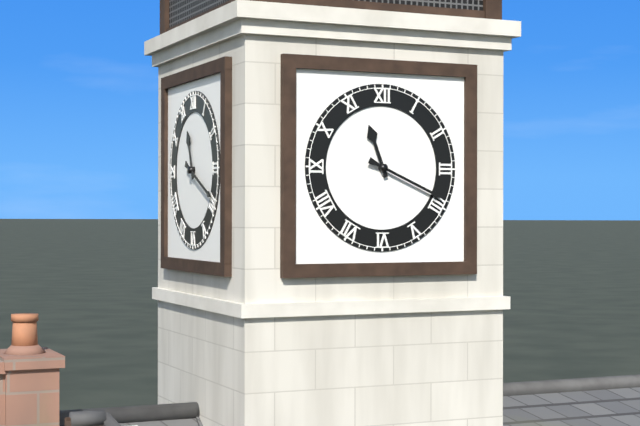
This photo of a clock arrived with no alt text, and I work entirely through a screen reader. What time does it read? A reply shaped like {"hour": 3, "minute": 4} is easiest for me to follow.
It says {"hour": 11, "minute": 19}
